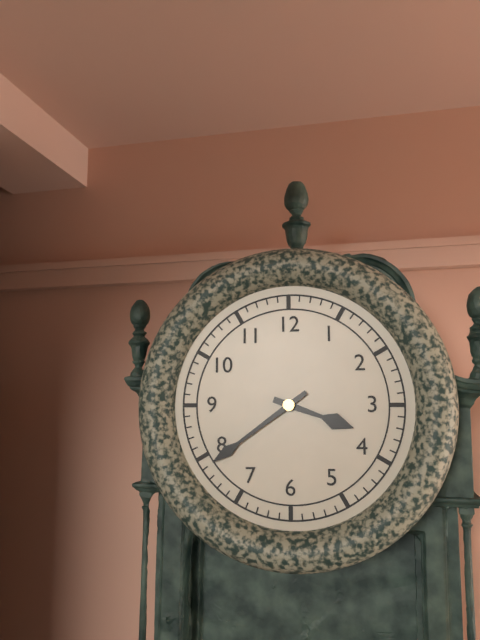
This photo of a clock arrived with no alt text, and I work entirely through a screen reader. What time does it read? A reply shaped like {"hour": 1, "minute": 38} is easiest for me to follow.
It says {"hour": 3, "minute": 39}
